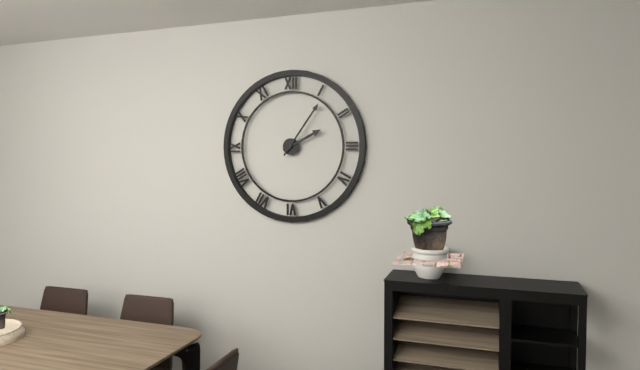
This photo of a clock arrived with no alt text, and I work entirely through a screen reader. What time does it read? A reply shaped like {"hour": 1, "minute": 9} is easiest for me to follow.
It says {"hour": 2, "minute": 6}
